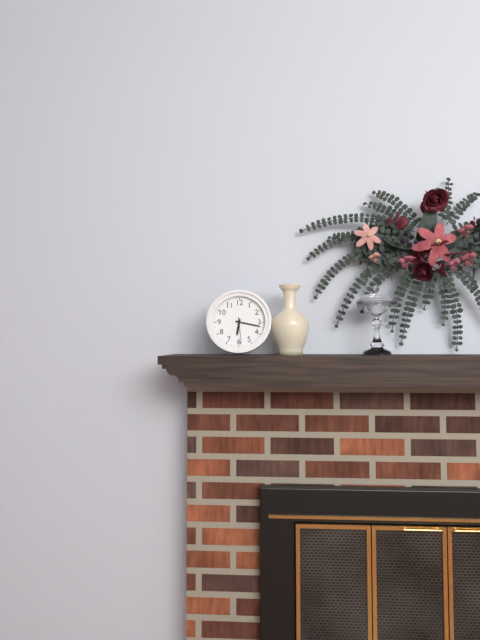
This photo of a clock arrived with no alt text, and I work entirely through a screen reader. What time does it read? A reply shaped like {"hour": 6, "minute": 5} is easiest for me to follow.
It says {"hour": 6, "minute": 17}
